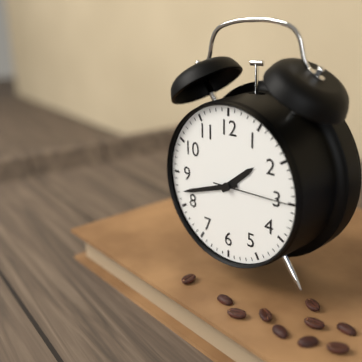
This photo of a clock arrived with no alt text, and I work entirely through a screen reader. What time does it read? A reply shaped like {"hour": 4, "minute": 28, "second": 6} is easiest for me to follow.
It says {"hour": 1, "minute": 42, "second": 15}
